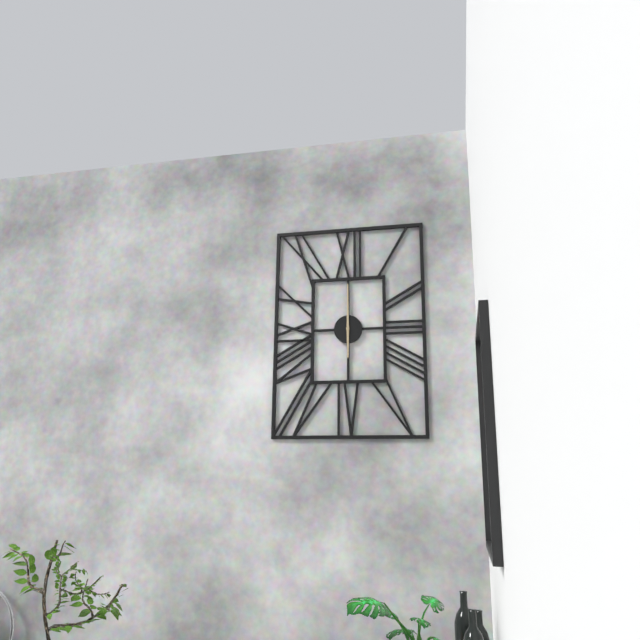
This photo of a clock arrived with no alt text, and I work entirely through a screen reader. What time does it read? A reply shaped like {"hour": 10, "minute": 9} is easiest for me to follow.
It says {"hour": 6, "minute": 0}
